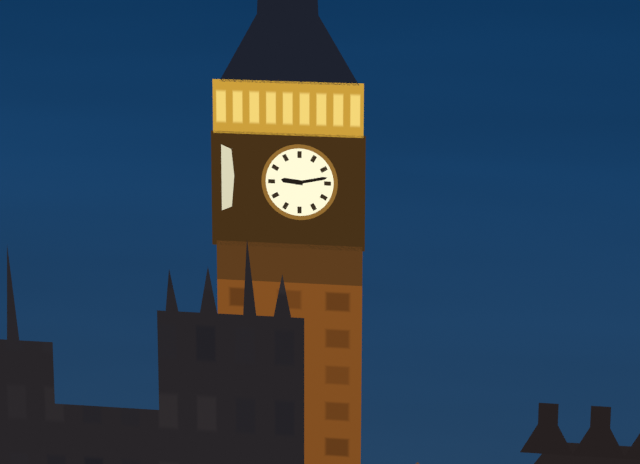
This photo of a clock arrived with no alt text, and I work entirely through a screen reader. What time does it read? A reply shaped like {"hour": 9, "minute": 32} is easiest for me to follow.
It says {"hour": 9, "minute": 13}
